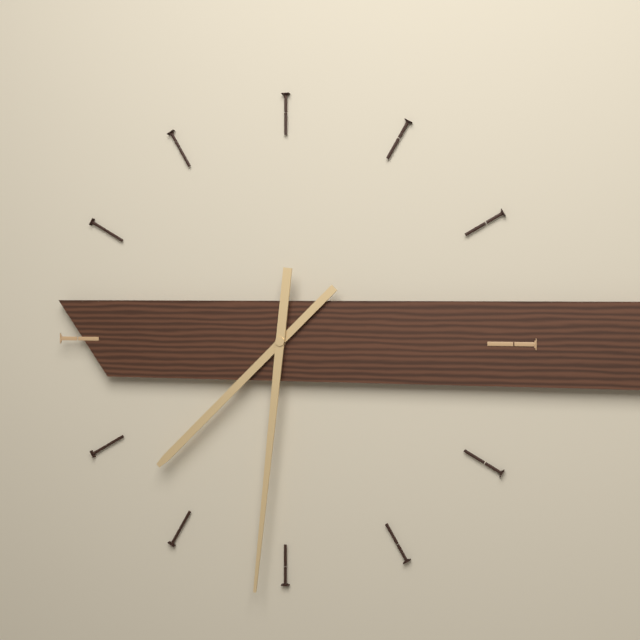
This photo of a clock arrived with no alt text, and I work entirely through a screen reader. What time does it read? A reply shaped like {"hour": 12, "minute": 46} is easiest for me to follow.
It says {"hour": 7, "minute": 31}
